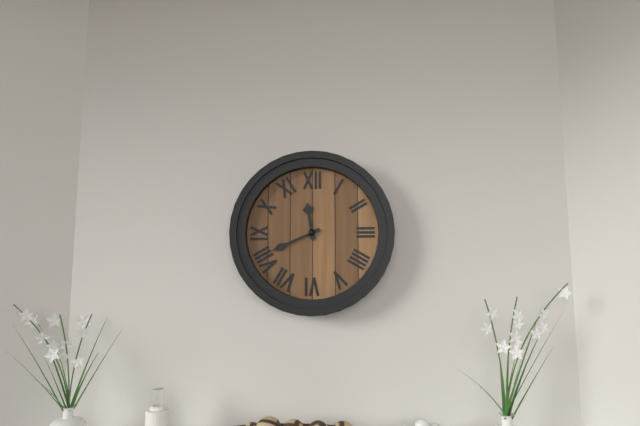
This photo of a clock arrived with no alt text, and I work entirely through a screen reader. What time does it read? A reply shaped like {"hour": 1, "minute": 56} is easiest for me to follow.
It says {"hour": 11, "minute": 41}
